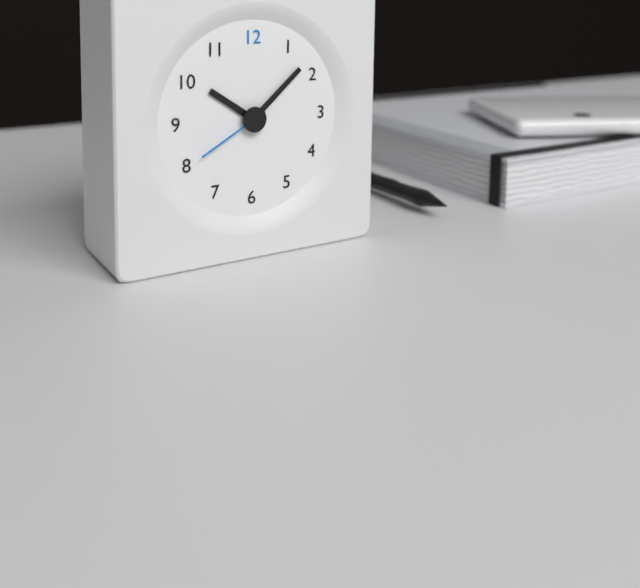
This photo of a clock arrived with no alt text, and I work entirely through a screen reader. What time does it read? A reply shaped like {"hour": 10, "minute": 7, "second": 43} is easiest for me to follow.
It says {"hour": 10, "minute": 8, "second": 40}
